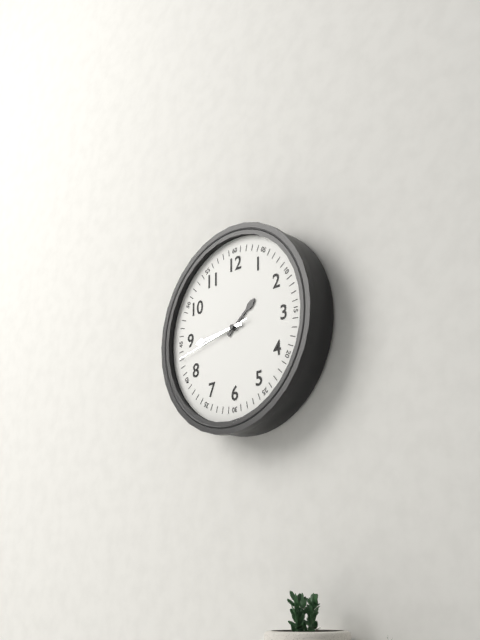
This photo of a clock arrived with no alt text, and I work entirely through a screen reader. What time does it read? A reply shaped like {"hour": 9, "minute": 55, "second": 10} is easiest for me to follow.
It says {"hour": 1, "minute": 44, "second": 43}
